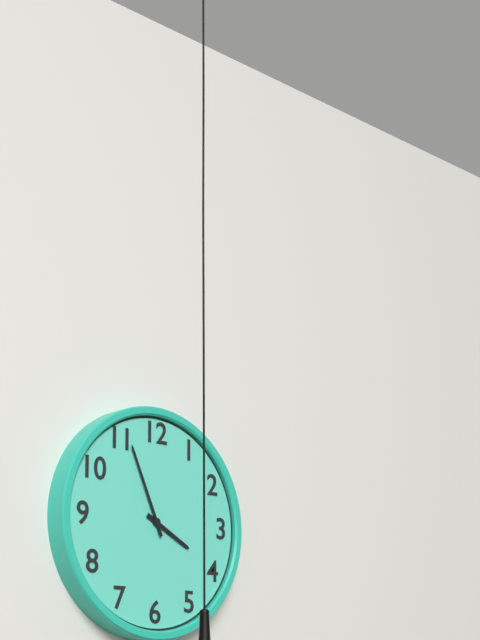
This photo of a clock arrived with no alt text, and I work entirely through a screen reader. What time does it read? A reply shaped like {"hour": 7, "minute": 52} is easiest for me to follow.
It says {"hour": 3, "minute": 56}
